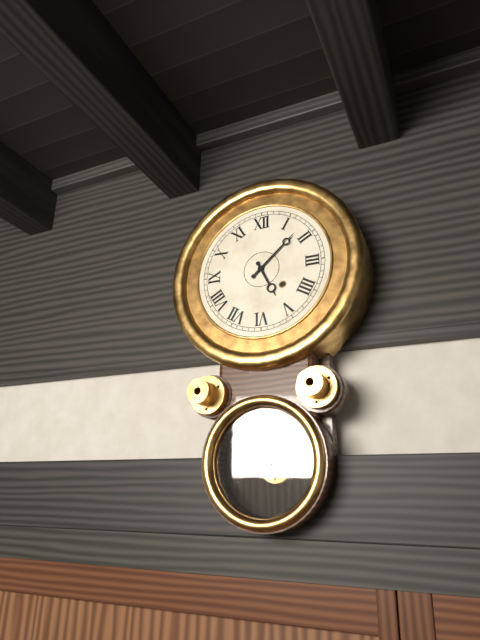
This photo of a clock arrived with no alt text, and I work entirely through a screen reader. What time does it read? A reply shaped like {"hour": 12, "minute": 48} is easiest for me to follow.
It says {"hour": 5, "minute": 8}
